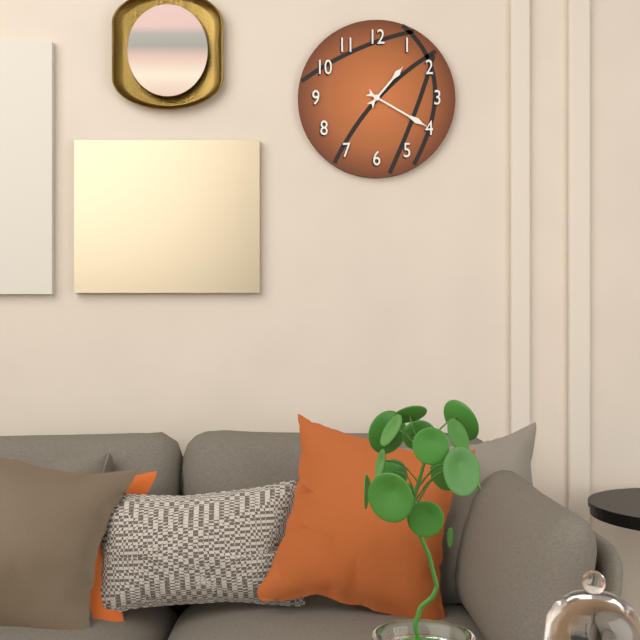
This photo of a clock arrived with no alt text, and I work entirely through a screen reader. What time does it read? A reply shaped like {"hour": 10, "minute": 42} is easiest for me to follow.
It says {"hour": 1, "minute": 20}
